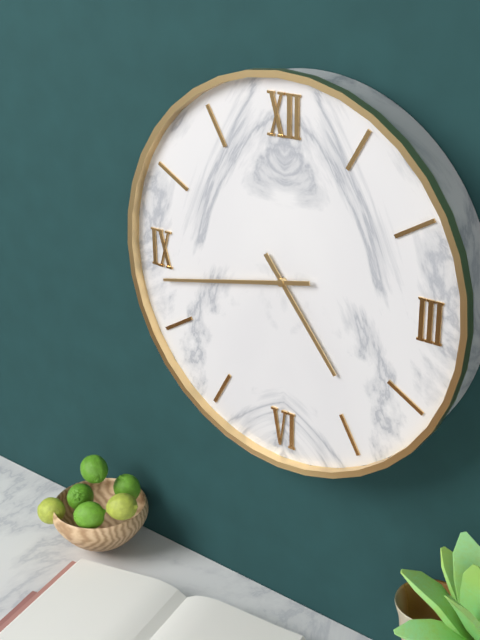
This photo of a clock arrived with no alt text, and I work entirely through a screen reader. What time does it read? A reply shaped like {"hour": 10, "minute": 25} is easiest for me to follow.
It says {"hour": 4, "minute": 43}
